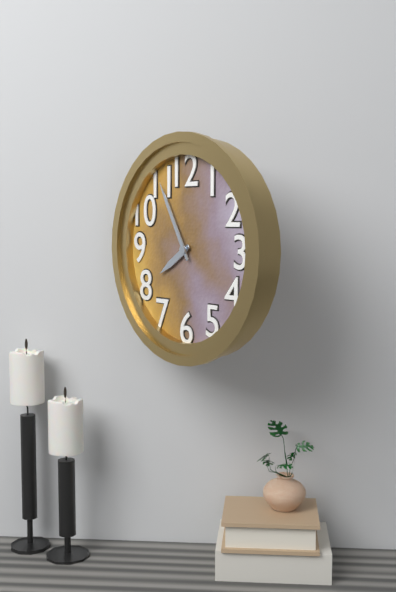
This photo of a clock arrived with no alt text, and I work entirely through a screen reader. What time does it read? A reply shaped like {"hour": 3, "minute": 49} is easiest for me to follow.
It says {"hour": 7, "minute": 55}
